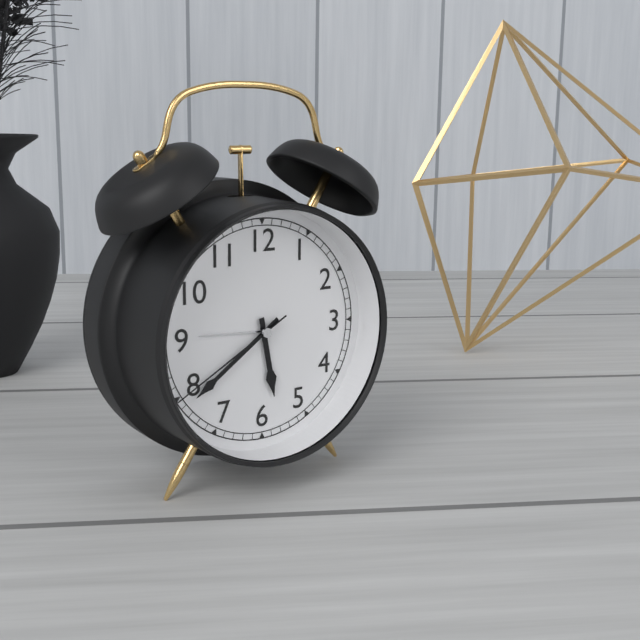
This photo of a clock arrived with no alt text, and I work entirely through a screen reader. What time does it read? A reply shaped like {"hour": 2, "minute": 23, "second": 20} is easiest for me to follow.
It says {"hour": 5, "minute": 39, "second": 40}
